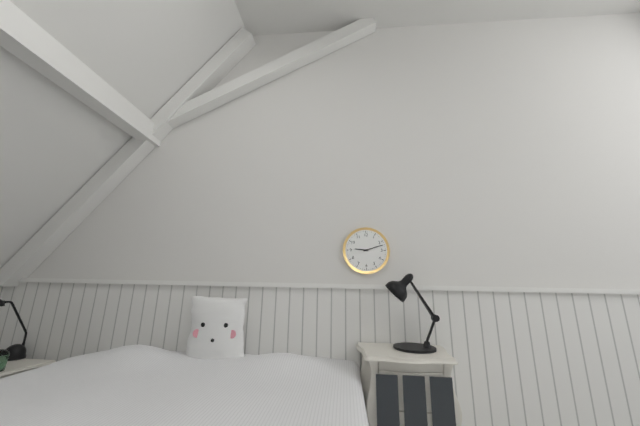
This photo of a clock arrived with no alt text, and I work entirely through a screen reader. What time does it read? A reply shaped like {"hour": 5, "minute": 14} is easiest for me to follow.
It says {"hour": 9, "minute": 12}
